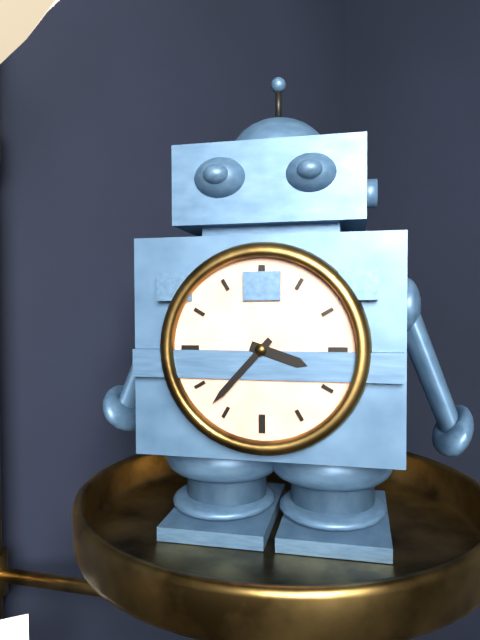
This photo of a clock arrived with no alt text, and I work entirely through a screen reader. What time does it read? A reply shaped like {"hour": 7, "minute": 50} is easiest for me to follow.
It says {"hour": 3, "minute": 37}
